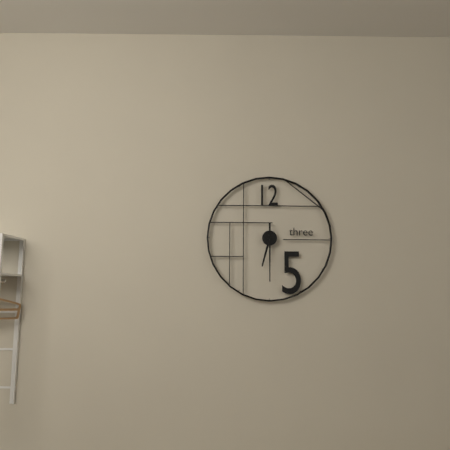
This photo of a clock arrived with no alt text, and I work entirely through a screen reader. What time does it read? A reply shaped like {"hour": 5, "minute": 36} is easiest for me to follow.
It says {"hour": 6, "minute": 30}
